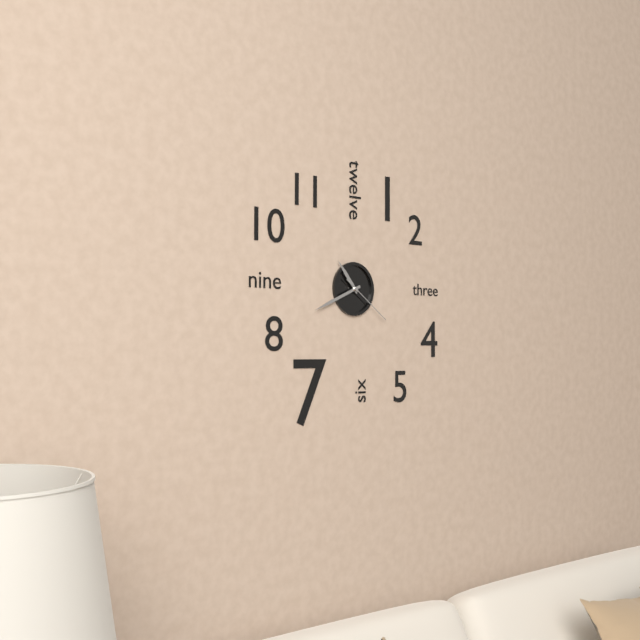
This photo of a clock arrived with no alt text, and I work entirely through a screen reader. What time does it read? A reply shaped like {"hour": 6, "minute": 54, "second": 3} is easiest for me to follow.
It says {"hour": 10, "minute": 41, "second": 21}
